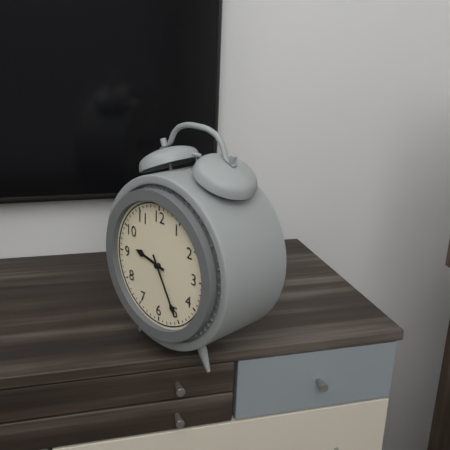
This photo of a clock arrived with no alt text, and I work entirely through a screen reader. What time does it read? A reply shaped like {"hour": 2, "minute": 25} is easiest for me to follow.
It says {"hour": 9, "minute": 25}
